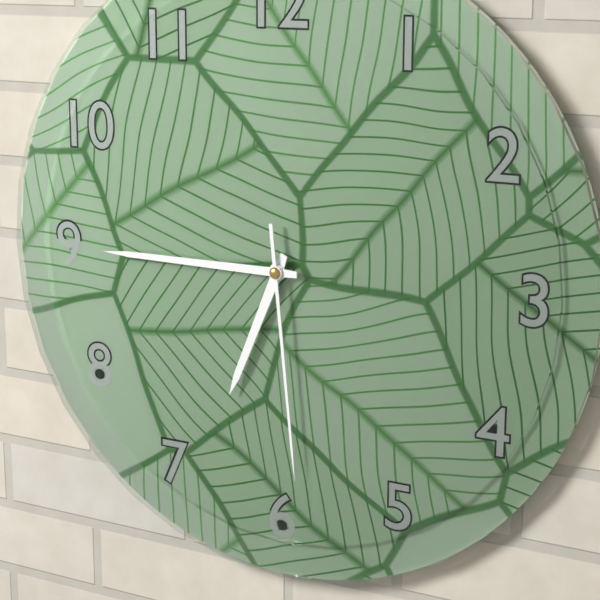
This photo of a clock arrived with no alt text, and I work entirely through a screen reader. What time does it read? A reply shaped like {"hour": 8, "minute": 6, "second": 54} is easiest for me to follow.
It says {"hour": 6, "minute": 45, "second": 29}
